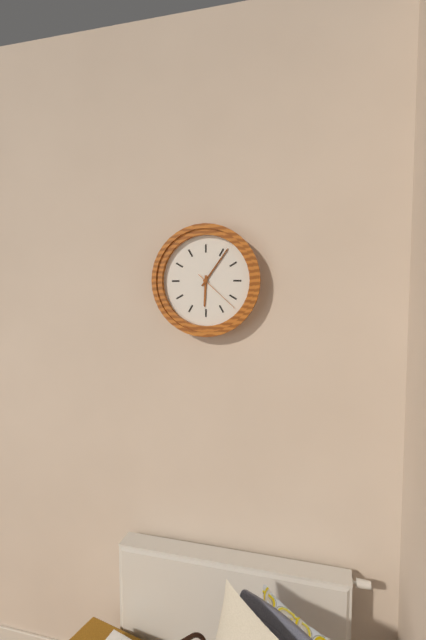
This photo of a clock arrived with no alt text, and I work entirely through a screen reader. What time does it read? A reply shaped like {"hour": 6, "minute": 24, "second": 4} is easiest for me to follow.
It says {"hour": 6, "minute": 6, "second": 22}
